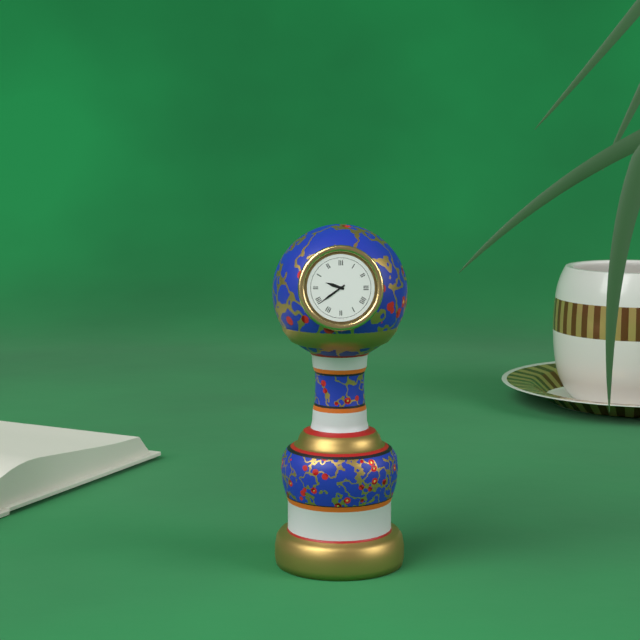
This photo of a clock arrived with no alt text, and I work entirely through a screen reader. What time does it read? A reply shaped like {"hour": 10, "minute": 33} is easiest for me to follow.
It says {"hour": 9, "minute": 39}
